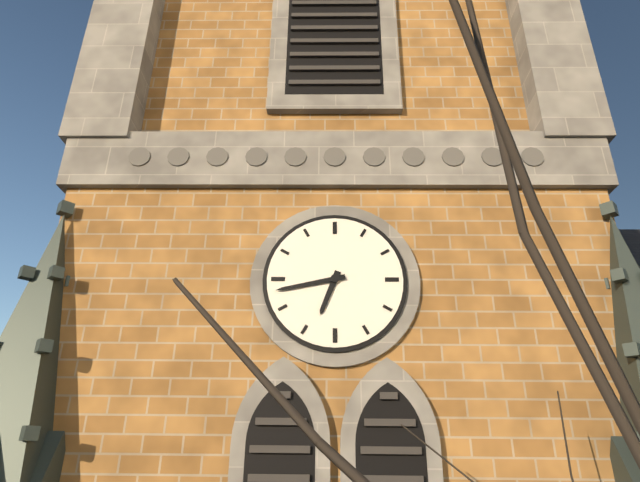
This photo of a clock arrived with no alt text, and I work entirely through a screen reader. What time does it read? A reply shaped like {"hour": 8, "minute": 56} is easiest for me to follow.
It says {"hour": 6, "minute": 43}
